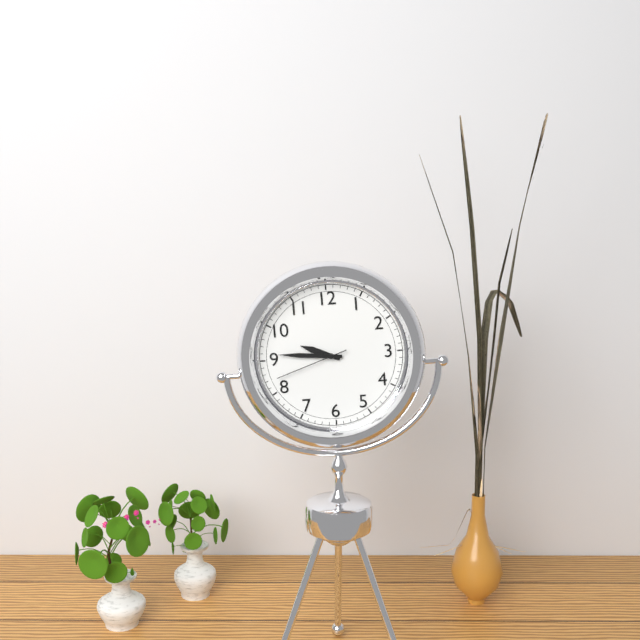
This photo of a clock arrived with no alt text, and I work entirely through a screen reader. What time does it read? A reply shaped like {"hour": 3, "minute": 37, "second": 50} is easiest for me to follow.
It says {"hour": 9, "minute": 46, "second": 42}
